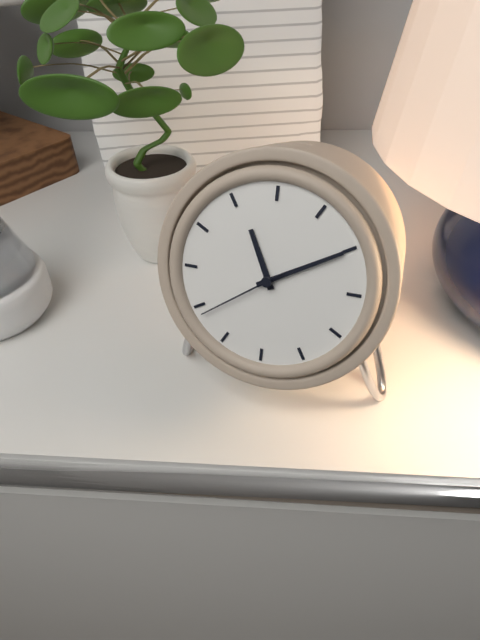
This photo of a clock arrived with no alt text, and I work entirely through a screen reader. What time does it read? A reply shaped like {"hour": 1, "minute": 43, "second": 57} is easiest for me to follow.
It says {"hour": 11, "minute": 10, "second": 39}
